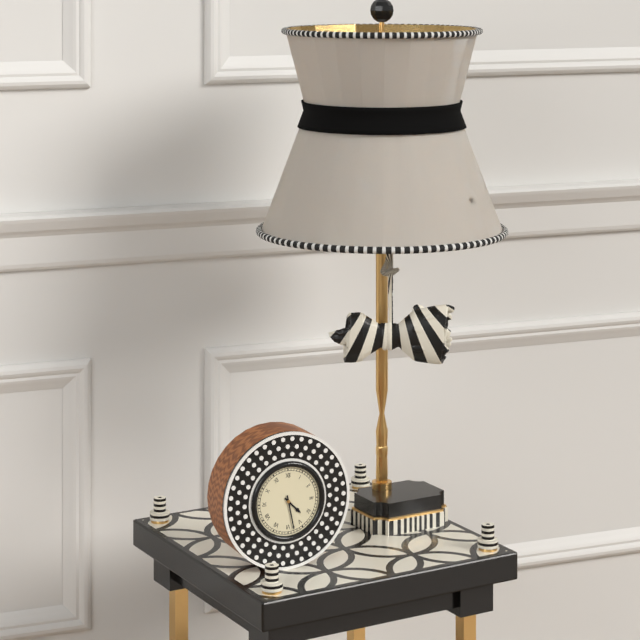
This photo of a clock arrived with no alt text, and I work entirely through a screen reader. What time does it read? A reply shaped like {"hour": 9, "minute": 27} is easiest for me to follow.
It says {"hour": 4, "minute": 28}
